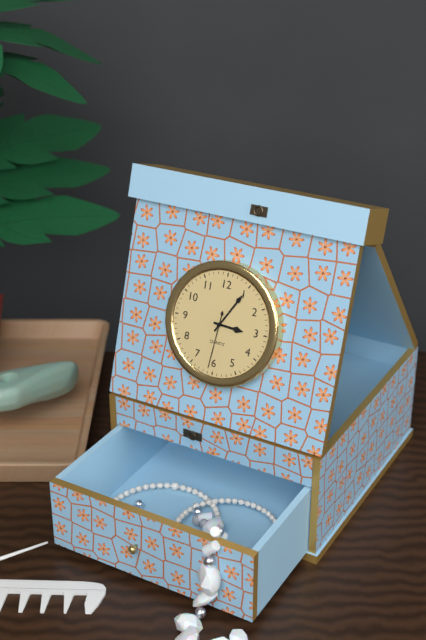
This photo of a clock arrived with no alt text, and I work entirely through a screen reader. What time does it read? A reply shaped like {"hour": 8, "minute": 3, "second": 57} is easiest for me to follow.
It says {"hour": 3, "minute": 5, "second": 31}
